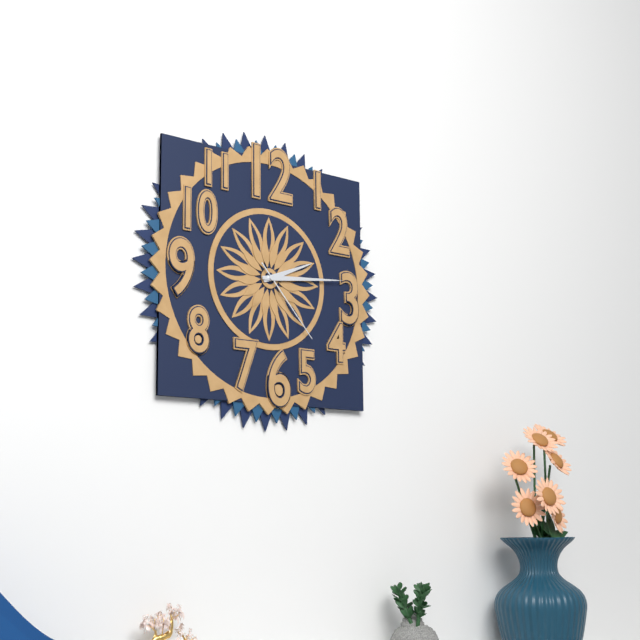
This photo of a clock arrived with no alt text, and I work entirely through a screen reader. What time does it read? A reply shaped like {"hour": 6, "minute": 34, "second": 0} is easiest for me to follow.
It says {"hour": 2, "minute": 14, "second": 23}
